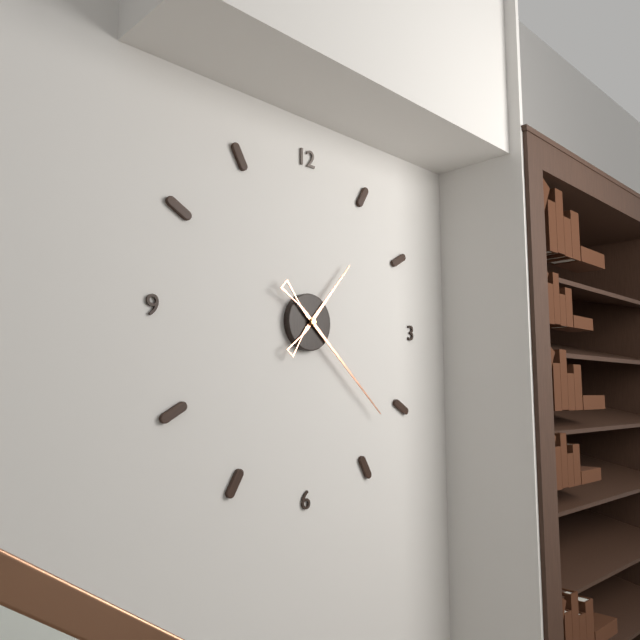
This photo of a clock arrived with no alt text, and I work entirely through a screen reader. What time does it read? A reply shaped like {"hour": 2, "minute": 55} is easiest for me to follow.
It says {"hour": 1, "minute": 22}
